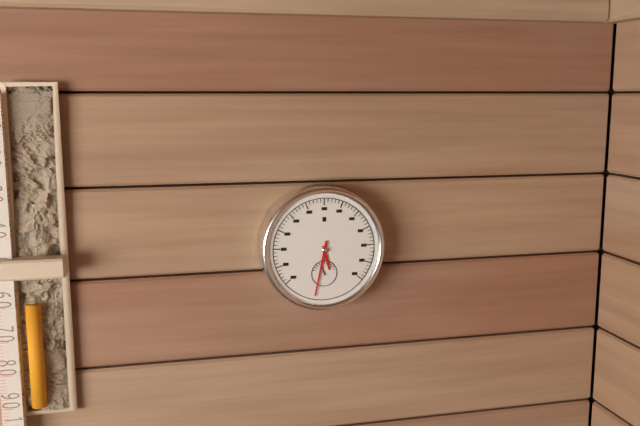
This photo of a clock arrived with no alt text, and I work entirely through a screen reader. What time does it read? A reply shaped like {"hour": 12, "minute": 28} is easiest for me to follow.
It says {"hour": 5, "minute": 32}
